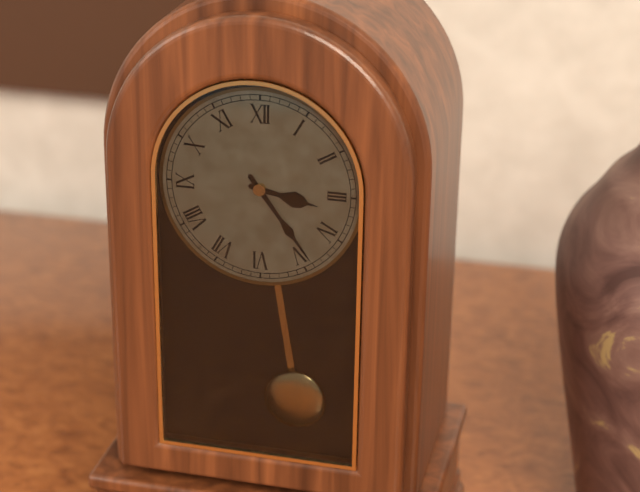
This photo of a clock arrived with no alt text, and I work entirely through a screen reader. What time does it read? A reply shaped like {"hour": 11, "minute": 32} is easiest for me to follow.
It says {"hour": 3, "minute": 24}
